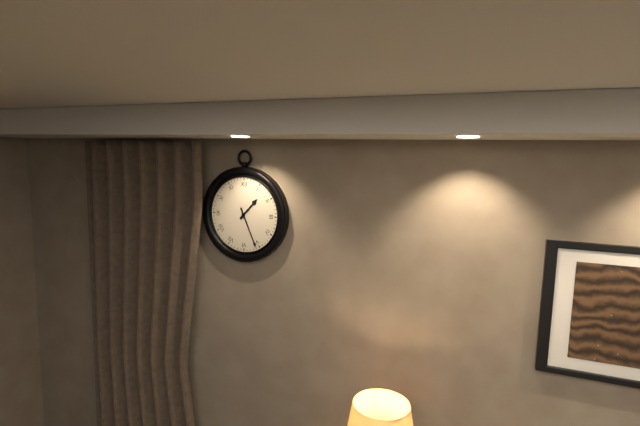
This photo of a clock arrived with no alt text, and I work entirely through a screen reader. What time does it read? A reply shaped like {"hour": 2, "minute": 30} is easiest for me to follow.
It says {"hour": 1, "minute": 26}
